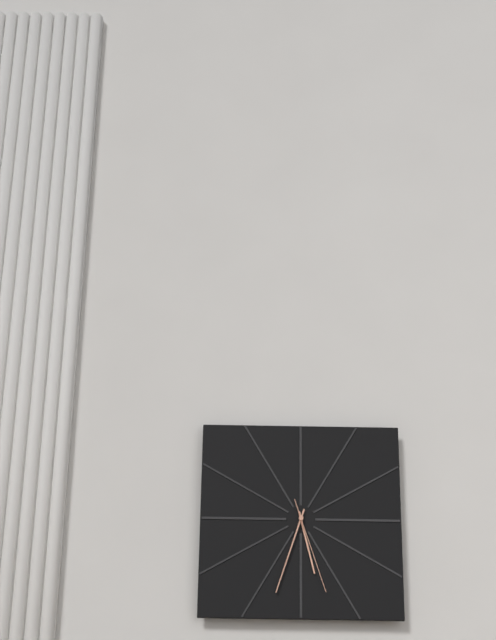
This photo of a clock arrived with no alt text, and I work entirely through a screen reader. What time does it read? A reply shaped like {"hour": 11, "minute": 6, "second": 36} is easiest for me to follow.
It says {"hour": 5, "minute": 33, "second": 27}
